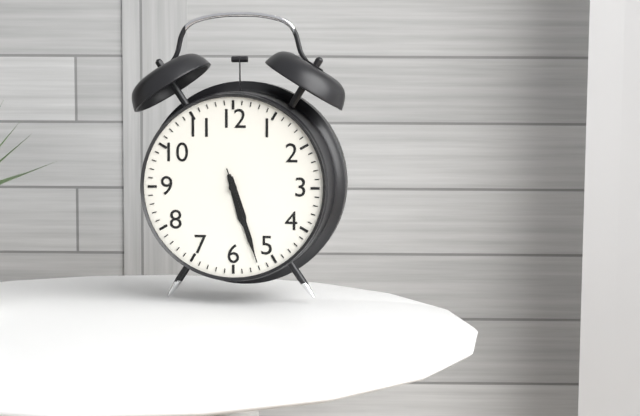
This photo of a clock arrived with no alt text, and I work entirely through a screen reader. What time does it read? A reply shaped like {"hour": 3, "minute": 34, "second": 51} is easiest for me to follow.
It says {"hour": 5, "minute": 27, "second": 27}
